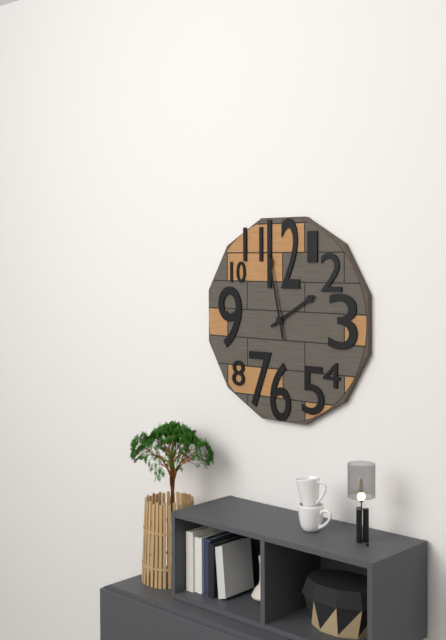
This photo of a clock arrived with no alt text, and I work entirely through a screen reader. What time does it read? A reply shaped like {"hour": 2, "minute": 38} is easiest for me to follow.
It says {"hour": 1, "minute": 58}
